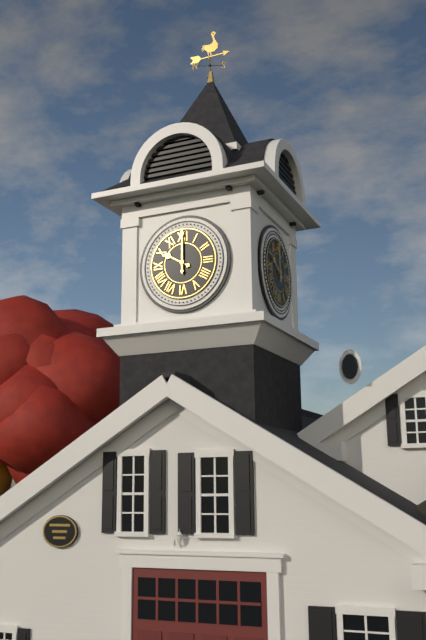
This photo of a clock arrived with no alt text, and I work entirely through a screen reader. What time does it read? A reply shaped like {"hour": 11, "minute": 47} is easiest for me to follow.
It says {"hour": 10, "minute": 0}
